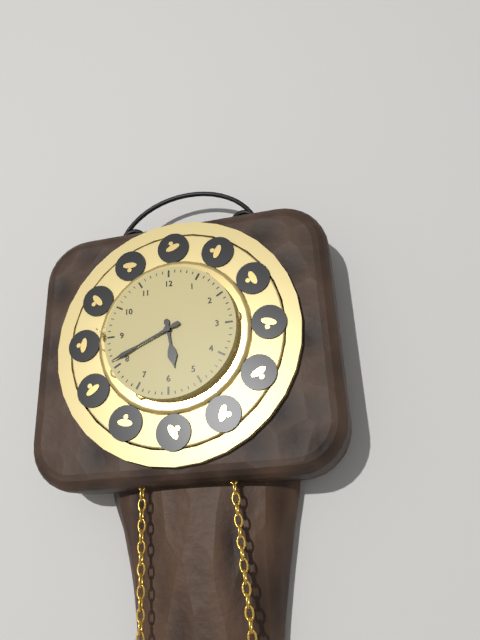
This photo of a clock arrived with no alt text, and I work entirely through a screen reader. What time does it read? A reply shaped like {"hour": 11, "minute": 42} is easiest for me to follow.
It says {"hour": 5, "minute": 41}
